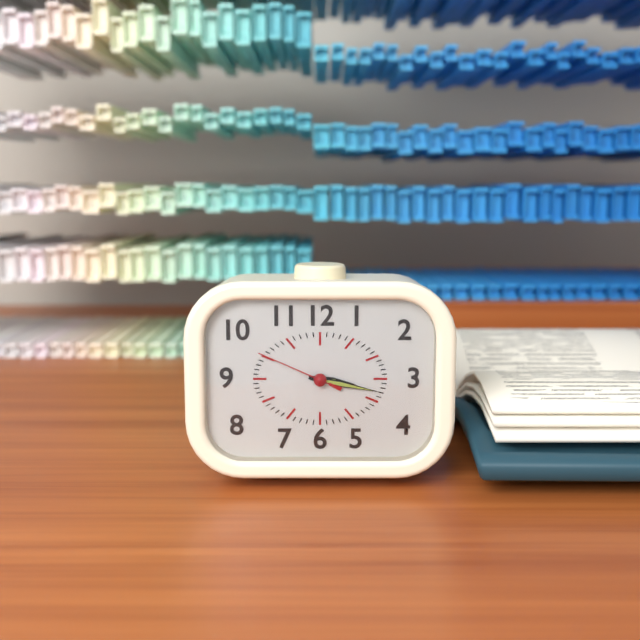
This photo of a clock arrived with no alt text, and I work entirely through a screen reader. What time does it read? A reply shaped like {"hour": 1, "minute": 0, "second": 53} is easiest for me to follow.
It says {"hour": 3, "minute": 17, "second": 49}
